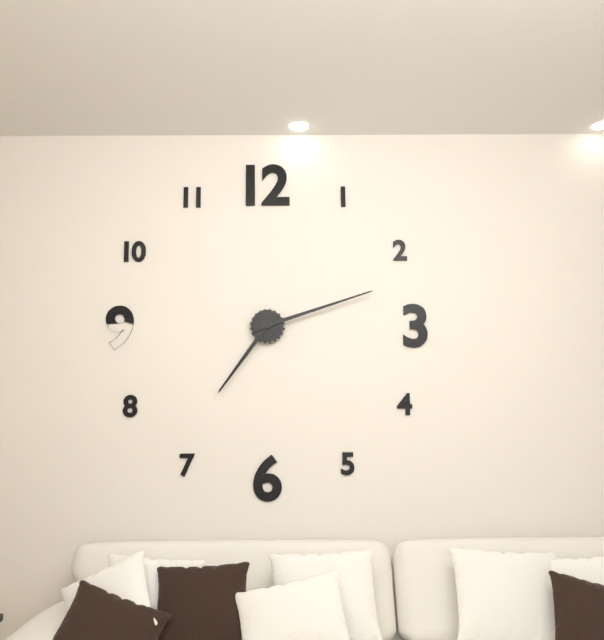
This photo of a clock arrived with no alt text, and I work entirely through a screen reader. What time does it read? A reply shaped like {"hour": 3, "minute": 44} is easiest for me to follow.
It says {"hour": 7, "minute": 12}
